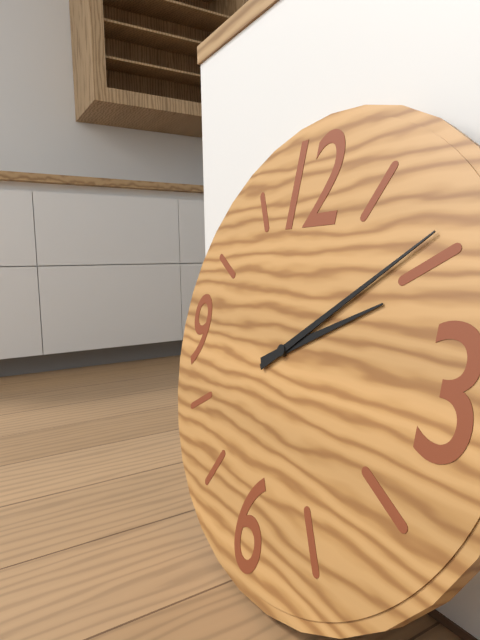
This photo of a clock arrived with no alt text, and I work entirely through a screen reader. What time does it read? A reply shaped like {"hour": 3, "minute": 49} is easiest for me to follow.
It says {"hour": 2, "minute": 9}
